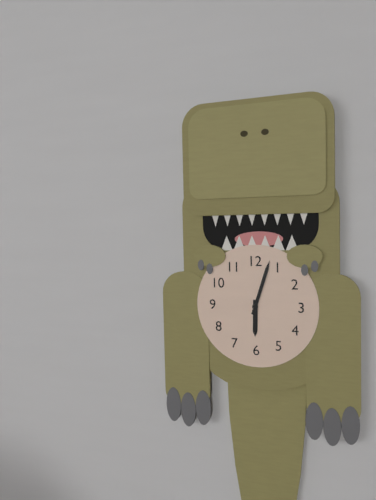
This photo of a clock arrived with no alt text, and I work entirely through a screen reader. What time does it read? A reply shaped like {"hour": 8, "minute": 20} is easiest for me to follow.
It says {"hour": 6, "minute": 3}
